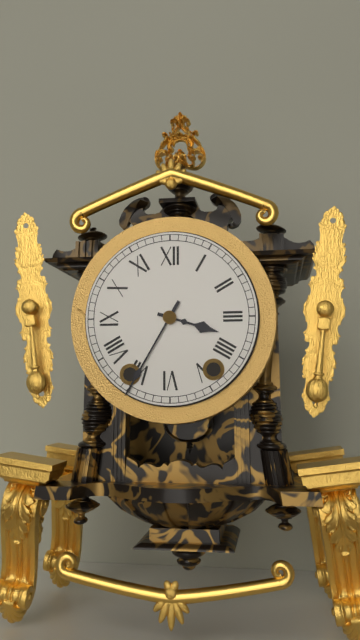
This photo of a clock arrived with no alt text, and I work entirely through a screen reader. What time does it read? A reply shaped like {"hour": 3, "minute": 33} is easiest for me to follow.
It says {"hour": 3, "minute": 35}
